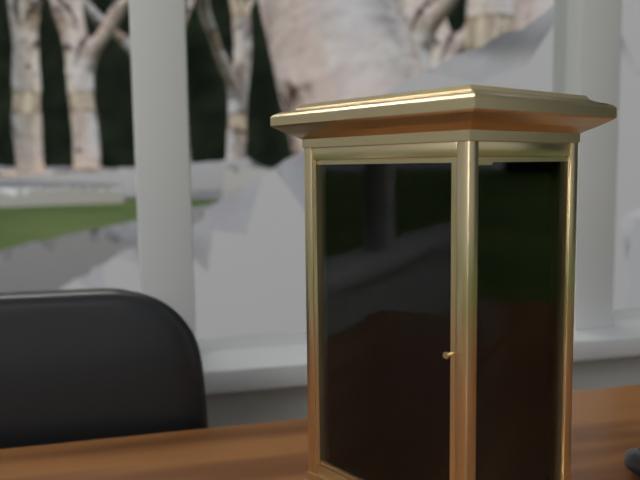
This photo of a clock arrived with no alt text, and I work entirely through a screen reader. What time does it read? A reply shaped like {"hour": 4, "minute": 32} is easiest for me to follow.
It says {"hour": 3, "minute": 7}
